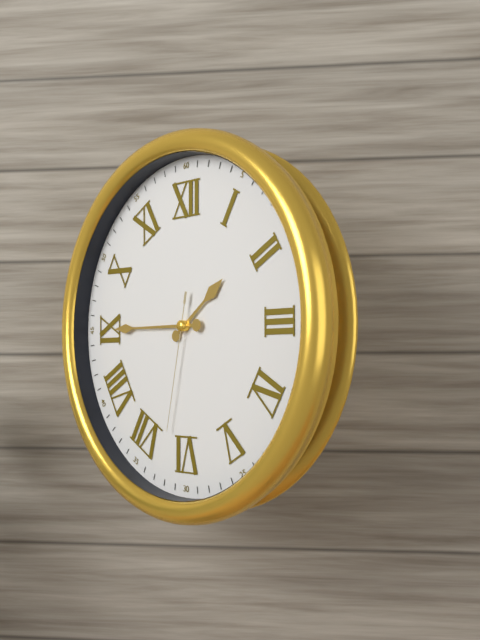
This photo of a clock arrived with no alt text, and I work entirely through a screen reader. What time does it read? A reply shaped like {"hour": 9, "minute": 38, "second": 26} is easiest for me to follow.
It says {"hour": 1, "minute": 45, "second": 32}
